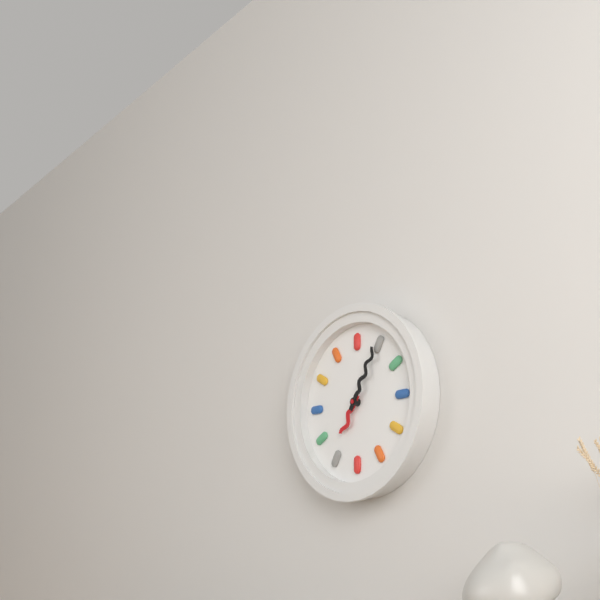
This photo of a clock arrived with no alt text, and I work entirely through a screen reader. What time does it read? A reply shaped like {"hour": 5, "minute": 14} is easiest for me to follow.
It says {"hour": 7, "minute": 5}
